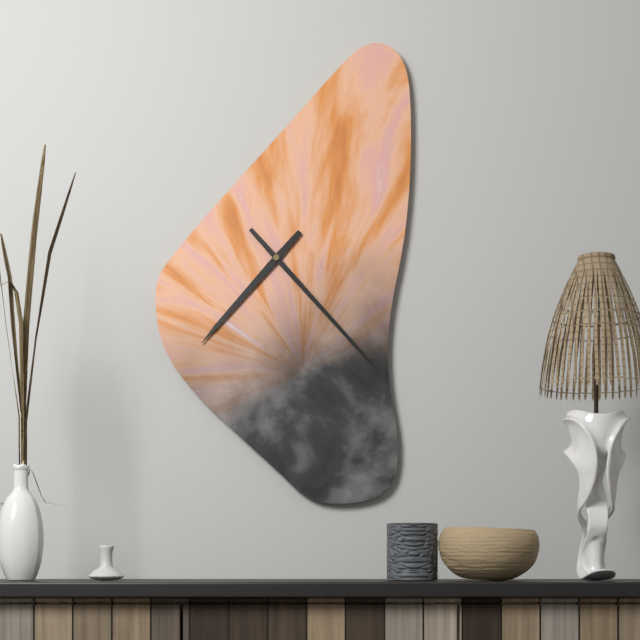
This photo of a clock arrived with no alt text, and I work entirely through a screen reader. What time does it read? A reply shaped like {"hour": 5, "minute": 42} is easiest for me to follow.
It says {"hour": 7, "minute": 23}
